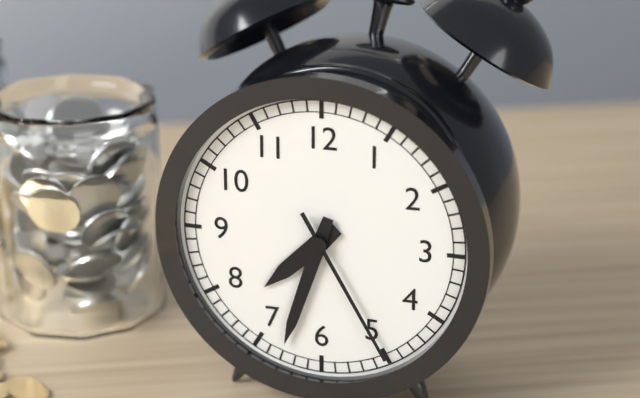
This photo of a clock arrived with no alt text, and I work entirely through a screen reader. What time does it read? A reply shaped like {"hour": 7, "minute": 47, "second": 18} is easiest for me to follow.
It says {"hour": 7, "minute": 33, "second": 25}
